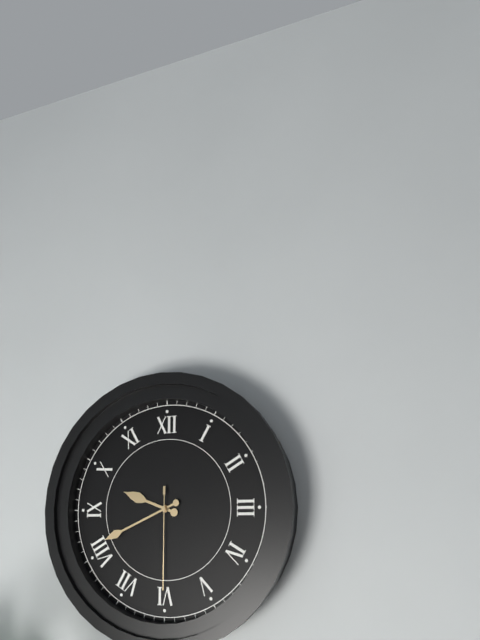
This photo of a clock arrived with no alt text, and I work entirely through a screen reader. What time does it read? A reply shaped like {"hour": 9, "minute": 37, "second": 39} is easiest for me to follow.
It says {"hour": 9, "minute": 41, "second": 30}
